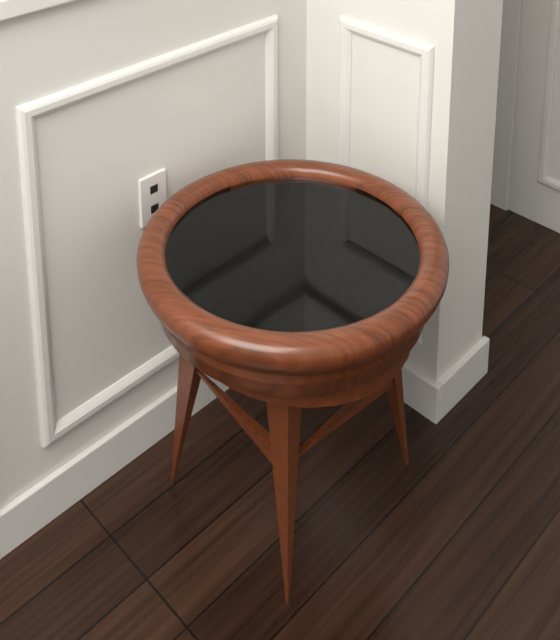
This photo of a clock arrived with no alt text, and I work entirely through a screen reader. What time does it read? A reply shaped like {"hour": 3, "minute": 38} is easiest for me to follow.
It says {"hour": 9, "minute": 15}
